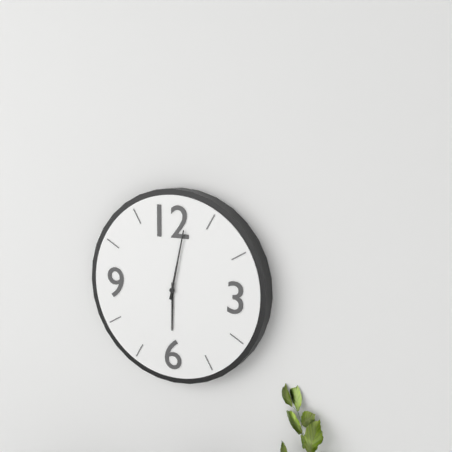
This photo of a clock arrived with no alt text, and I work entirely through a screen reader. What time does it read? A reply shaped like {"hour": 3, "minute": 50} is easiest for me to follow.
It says {"hour": 6, "minute": 2}
